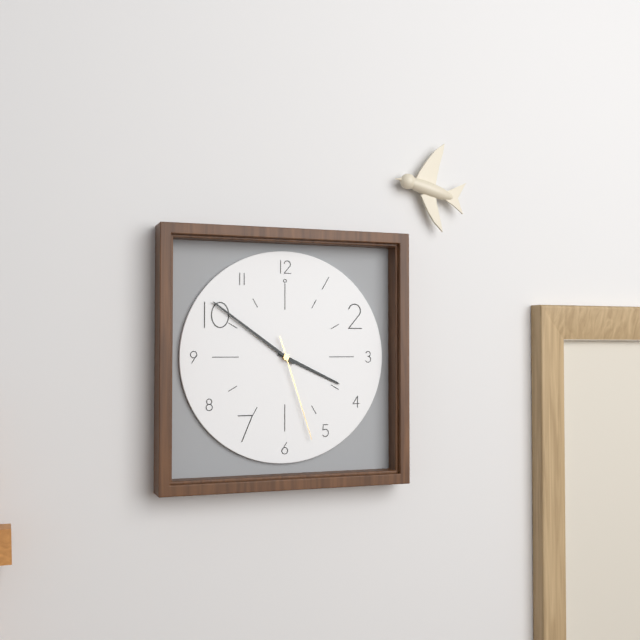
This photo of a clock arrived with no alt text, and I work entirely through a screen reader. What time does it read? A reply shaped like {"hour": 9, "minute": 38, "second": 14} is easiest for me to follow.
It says {"hour": 3, "minute": 51, "second": 27}
